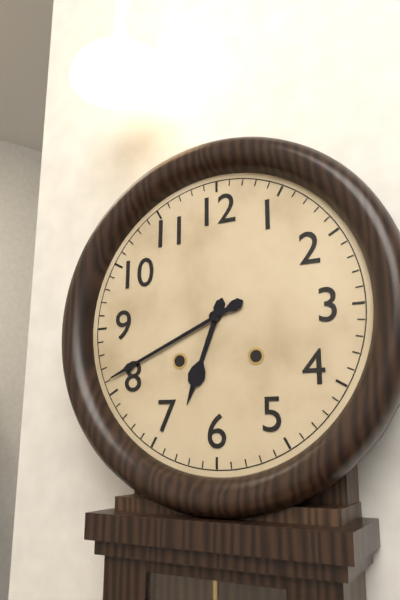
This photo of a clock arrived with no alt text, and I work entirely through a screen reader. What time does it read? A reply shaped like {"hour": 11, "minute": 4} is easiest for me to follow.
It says {"hour": 6, "minute": 41}
